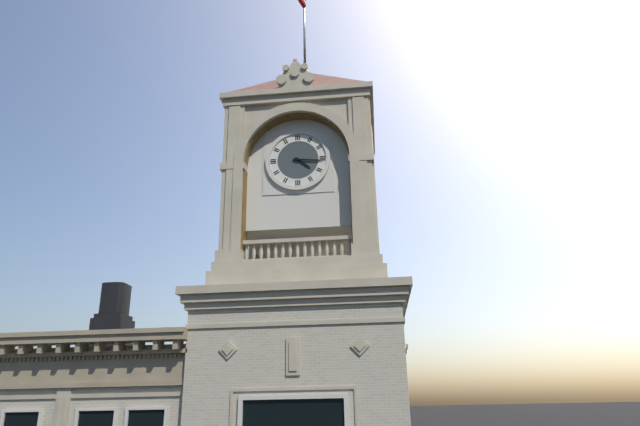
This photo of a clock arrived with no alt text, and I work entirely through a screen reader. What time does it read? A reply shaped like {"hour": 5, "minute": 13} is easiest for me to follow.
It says {"hour": 4, "minute": 16}
